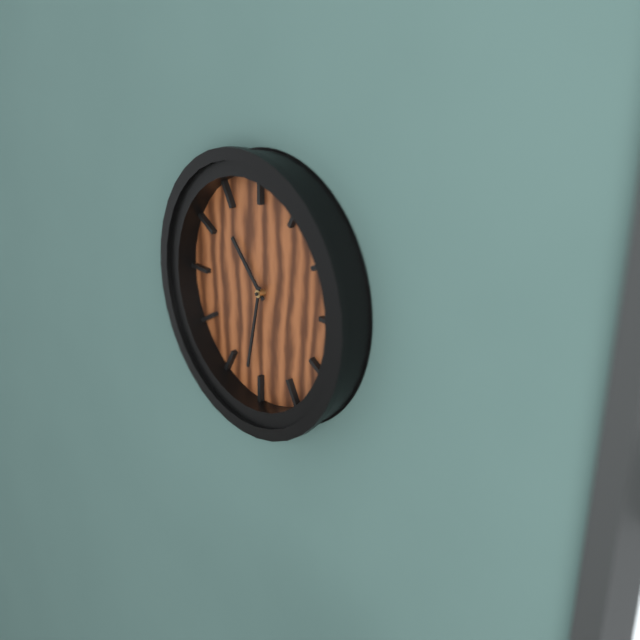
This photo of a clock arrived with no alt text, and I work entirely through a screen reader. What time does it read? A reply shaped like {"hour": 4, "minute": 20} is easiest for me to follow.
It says {"hour": 10, "minute": 32}
